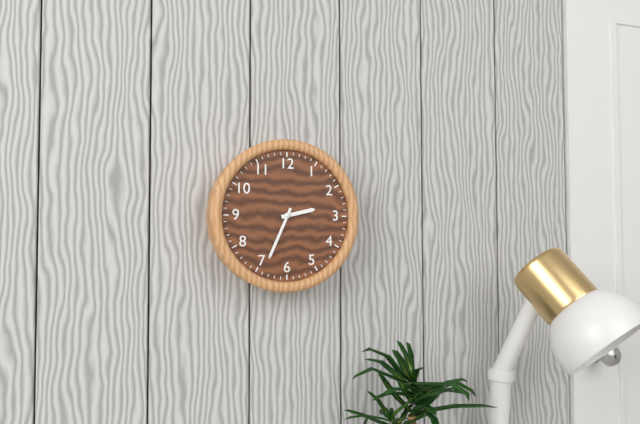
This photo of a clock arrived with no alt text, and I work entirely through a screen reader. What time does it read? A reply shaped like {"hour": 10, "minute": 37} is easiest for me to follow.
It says {"hour": 2, "minute": 34}
